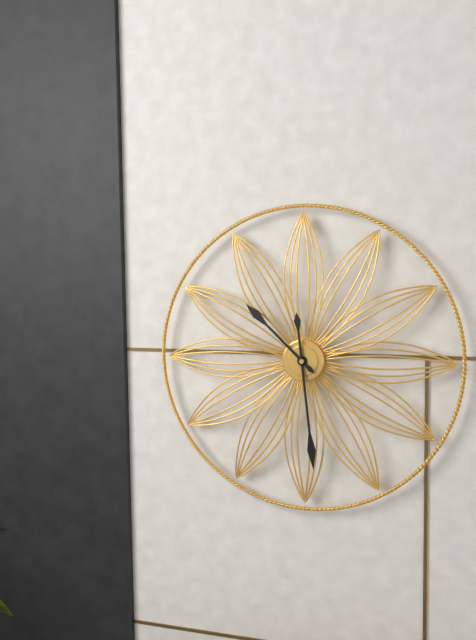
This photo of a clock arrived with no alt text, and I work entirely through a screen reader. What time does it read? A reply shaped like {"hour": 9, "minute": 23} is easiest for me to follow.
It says {"hour": 10, "minute": 29}
